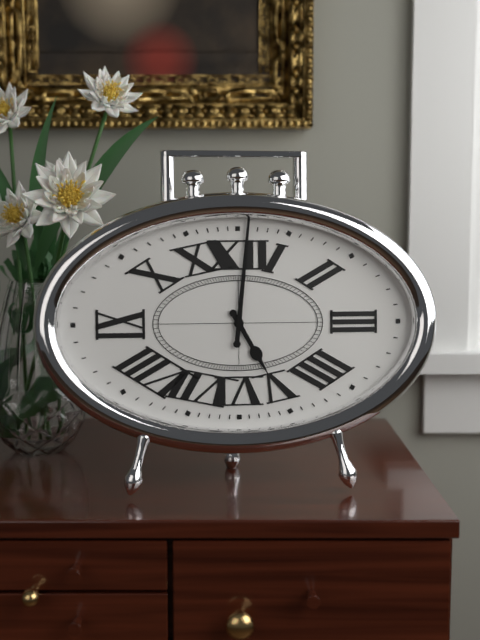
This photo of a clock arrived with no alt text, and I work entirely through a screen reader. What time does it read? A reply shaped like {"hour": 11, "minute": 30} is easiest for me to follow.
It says {"hour": 5, "minute": 1}
